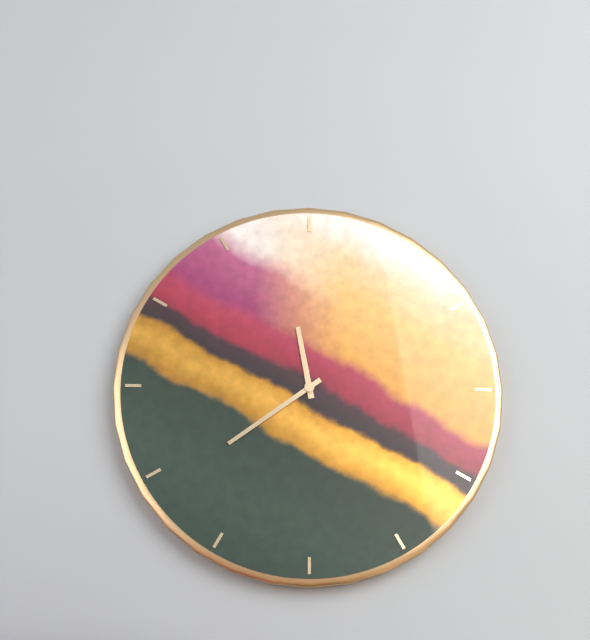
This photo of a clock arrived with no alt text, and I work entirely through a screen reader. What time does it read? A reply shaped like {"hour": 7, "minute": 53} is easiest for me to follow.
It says {"hour": 11, "minute": 39}
